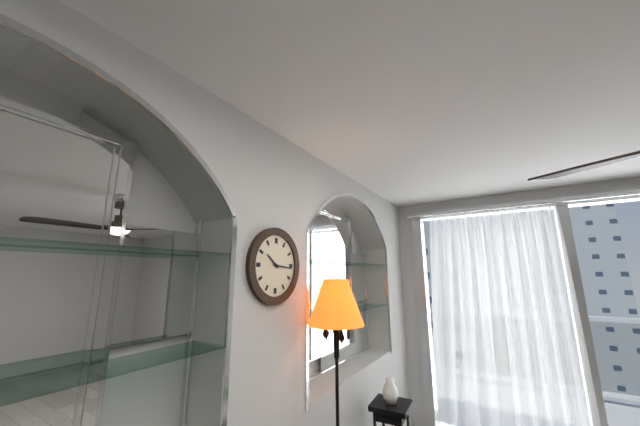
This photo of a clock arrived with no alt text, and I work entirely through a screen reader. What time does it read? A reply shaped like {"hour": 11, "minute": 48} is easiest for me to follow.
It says {"hour": 10, "minute": 16}
